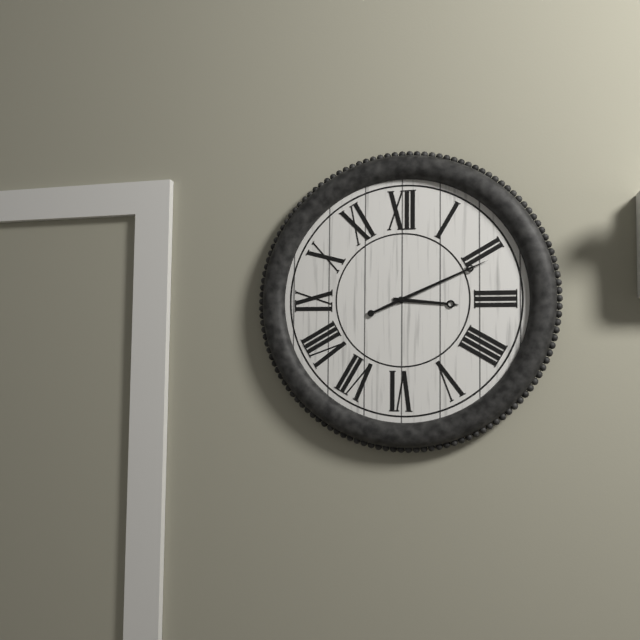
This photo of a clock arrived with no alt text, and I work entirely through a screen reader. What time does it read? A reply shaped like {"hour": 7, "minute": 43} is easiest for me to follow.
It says {"hour": 3, "minute": 11}
